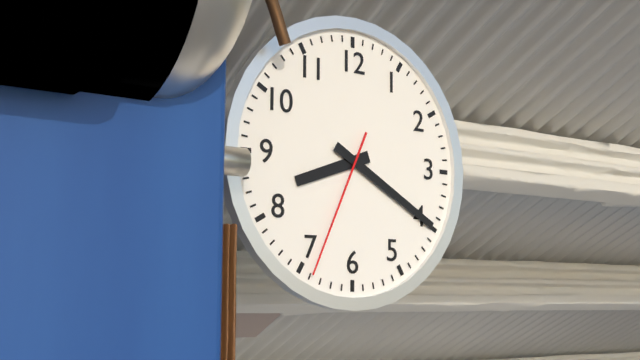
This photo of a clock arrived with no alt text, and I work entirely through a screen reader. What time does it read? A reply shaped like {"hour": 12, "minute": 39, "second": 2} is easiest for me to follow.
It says {"hour": 8, "minute": 20, "second": 34}
